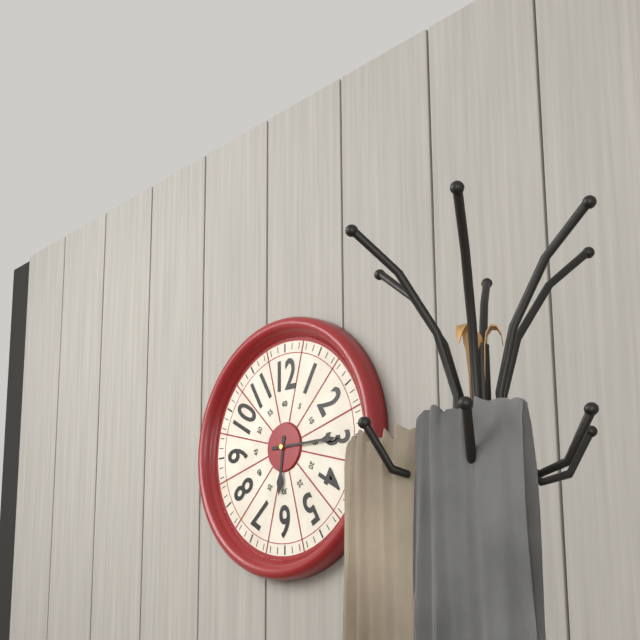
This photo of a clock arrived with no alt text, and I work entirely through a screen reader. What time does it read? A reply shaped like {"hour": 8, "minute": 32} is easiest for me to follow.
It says {"hour": 6, "minute": 15}
